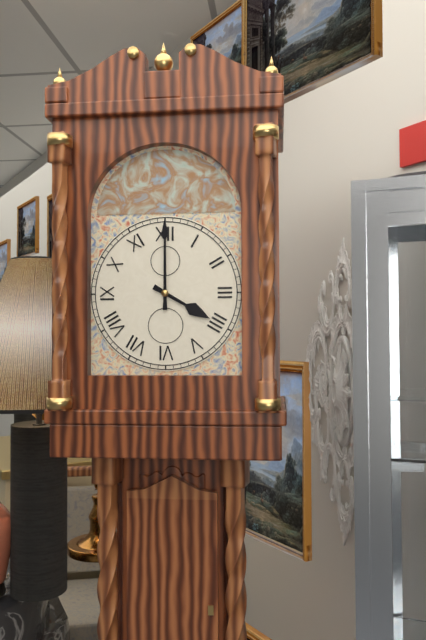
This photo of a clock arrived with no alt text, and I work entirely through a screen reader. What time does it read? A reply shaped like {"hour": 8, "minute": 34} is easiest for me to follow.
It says {"hour": 4, "minute": 0}
